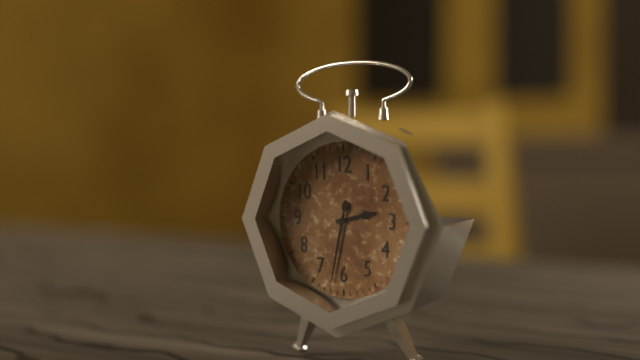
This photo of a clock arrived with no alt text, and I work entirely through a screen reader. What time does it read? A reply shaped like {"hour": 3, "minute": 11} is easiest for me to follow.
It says {"hour": 2, "minute": 32}
